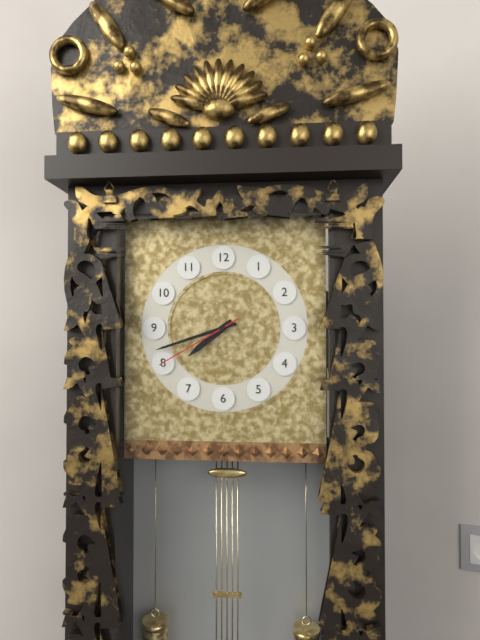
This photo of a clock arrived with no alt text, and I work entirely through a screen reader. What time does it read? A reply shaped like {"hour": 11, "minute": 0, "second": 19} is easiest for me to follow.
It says {"hour": 7, "minute": 42, "second": 40}
